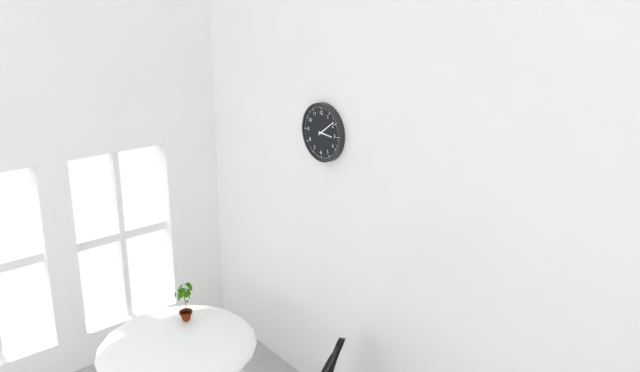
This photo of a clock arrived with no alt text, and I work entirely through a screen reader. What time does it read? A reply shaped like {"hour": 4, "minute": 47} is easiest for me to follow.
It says {"hour": 3, "minute": 9}
